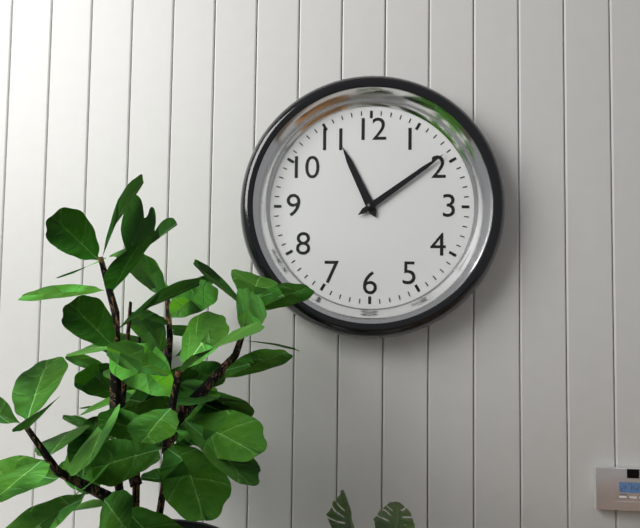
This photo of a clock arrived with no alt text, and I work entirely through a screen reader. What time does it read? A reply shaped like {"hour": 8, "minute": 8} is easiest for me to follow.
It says {"hour": 11, "minute": 9}
